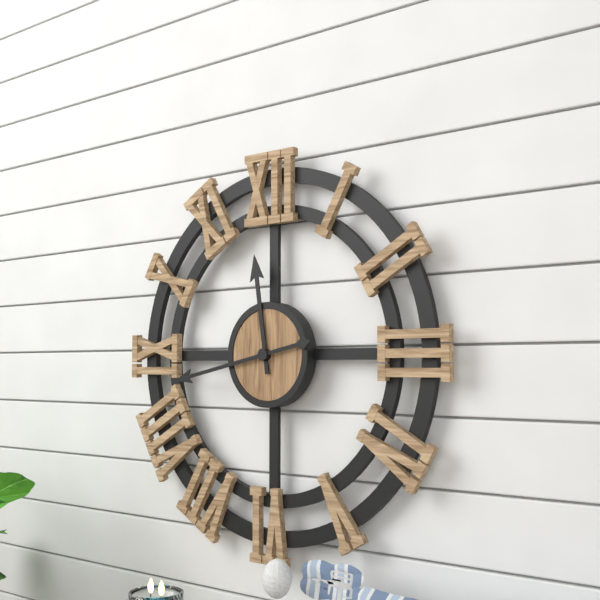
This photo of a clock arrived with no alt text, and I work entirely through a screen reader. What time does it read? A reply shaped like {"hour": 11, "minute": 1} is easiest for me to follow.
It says {"hour": 11, "minute": 43}
